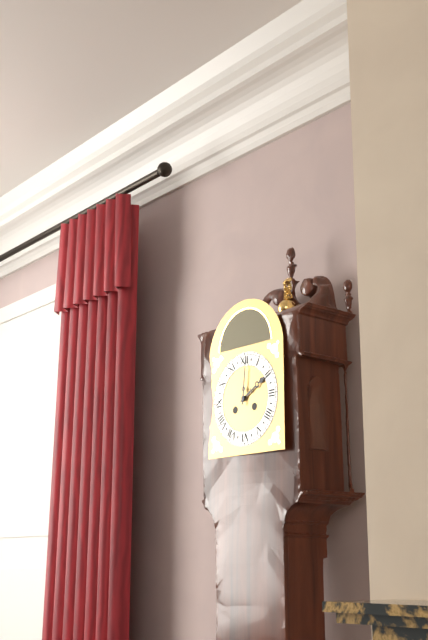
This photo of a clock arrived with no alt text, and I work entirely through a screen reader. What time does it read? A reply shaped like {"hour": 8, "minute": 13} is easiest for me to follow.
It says {"hour": 2, "minute": 1}
